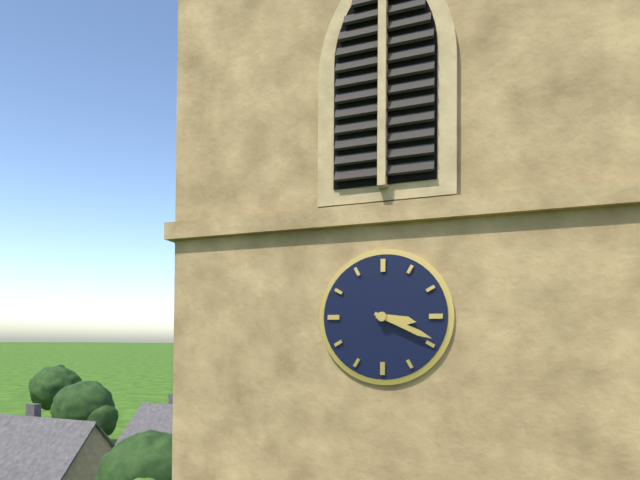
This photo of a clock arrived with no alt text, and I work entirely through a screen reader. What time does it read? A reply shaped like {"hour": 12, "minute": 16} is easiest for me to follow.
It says {"hour": 3, "minute": 19}
